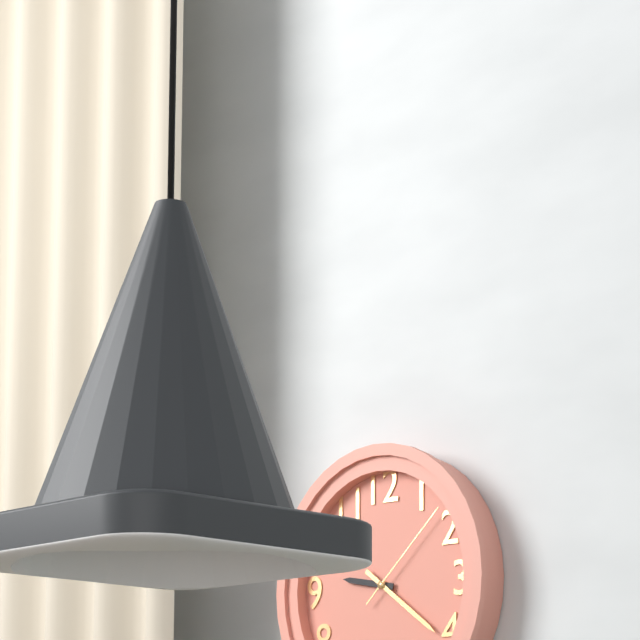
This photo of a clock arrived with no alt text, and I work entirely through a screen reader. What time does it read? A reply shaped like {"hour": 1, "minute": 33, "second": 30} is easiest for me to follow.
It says {"hour": 9, "minute": 21, "second": 8}
